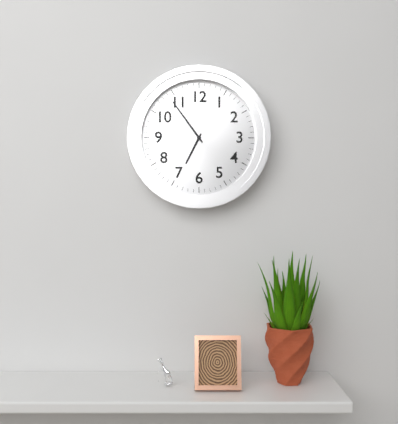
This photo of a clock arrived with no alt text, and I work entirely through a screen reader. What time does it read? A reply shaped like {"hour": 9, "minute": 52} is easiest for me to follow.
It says {"hour": 6, "minute": 54}
